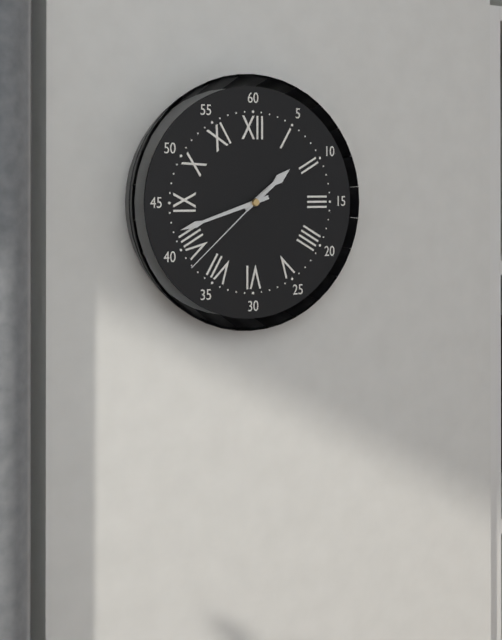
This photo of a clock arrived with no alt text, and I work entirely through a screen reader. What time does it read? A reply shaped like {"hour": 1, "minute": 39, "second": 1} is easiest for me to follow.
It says {"hour": 1, "minute": 42, "second": 38}
